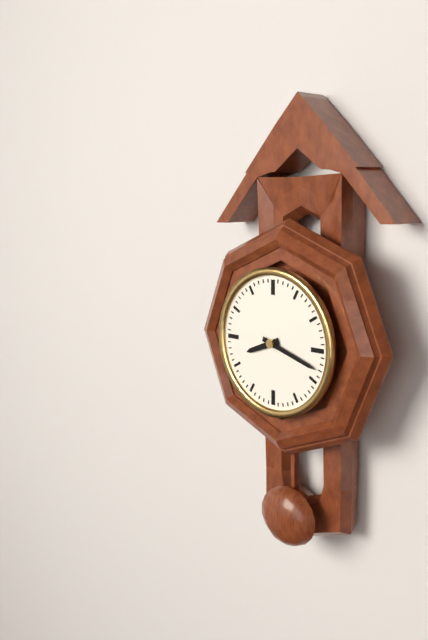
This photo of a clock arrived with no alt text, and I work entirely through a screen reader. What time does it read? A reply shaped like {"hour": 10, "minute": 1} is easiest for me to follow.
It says {"hour": 8, "minute": 18}
